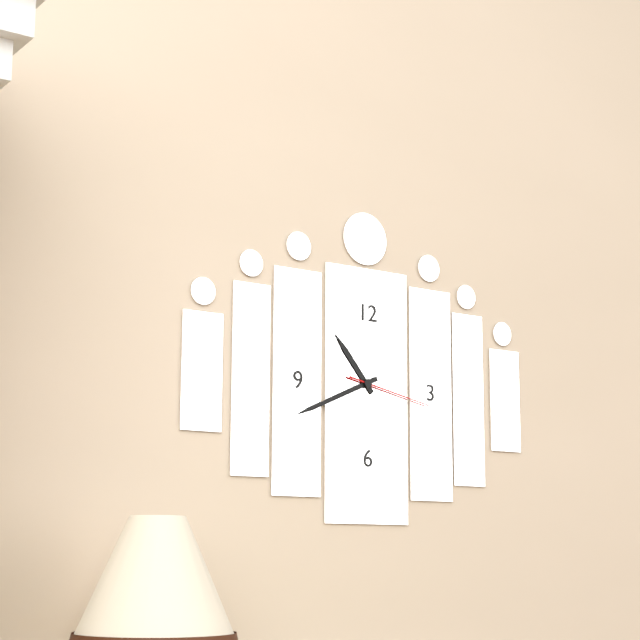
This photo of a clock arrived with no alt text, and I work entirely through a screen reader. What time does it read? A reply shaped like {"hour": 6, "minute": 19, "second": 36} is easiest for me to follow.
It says {"hour": 10, "minute": 41, "second": 17}
